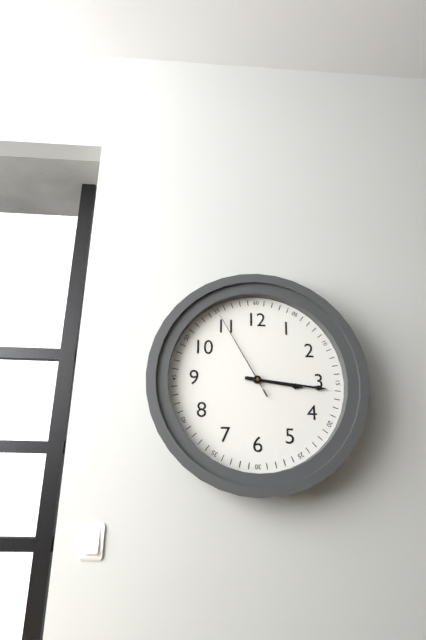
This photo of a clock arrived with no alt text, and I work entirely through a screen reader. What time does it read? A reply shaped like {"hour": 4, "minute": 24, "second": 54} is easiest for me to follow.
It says {"hour": 3, "minute": 16, "second": 55}
